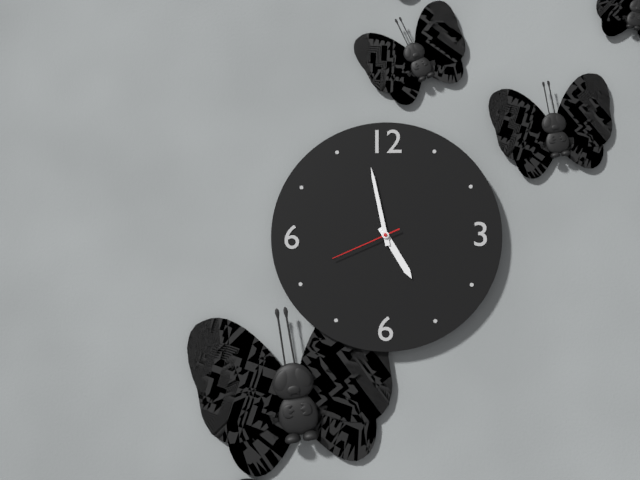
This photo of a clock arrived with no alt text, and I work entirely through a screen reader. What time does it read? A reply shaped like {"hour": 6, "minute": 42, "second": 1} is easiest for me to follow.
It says {"hour": 4, "minute": 58, "second": 41}
